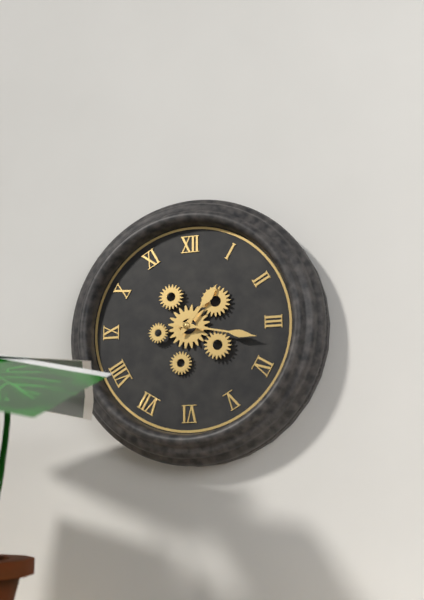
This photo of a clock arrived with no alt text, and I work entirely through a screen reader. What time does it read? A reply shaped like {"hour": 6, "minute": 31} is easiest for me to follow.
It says {"hour": 1, "minute": 17}
